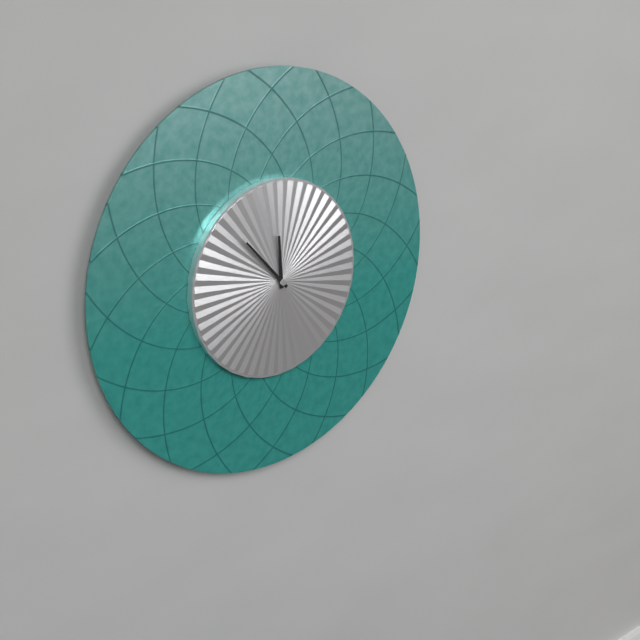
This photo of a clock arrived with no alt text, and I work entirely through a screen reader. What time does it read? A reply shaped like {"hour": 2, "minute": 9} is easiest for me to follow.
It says {"hour": 11, "minute": 53}
